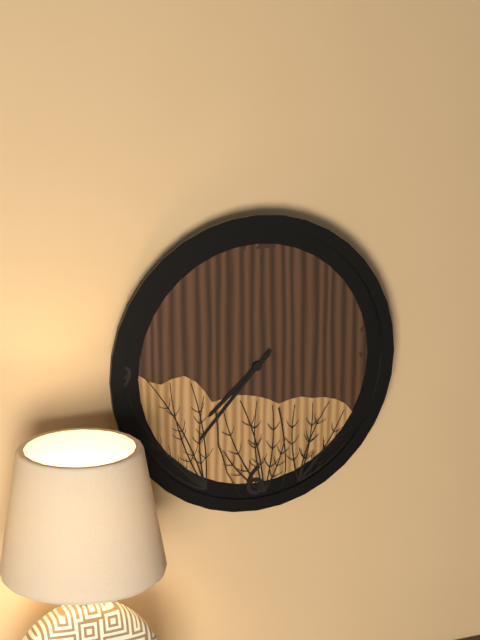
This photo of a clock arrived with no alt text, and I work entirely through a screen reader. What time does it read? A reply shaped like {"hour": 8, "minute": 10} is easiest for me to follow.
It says {"hour": 7, "minute": 37}
